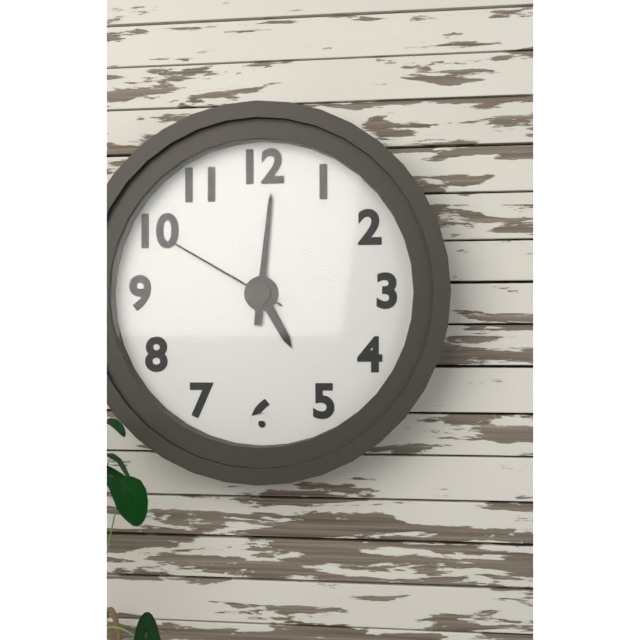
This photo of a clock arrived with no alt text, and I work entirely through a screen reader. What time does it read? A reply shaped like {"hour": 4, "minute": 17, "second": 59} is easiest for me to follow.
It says {"hour": 5, "minute": 1, "second": 50}
